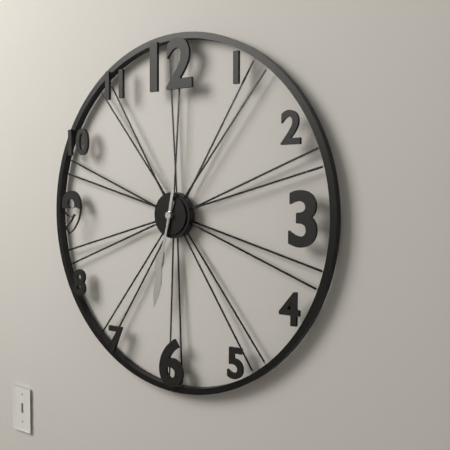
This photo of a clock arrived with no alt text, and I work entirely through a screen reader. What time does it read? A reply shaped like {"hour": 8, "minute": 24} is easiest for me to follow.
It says {"hour": 6, "minute": 32}
